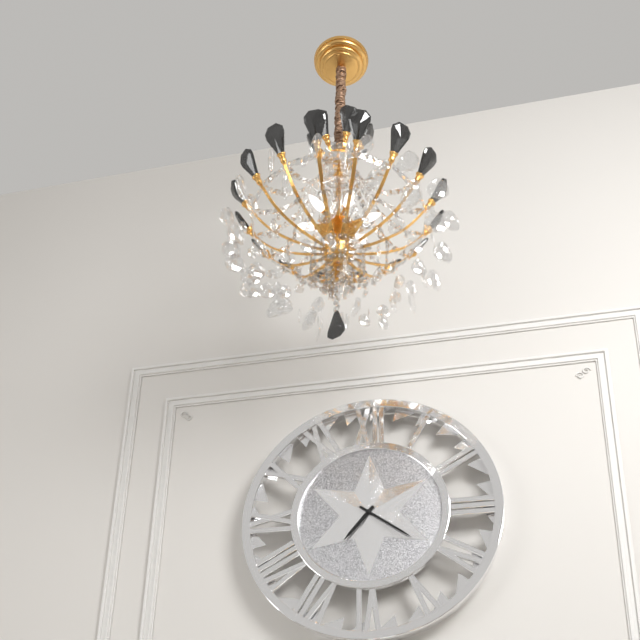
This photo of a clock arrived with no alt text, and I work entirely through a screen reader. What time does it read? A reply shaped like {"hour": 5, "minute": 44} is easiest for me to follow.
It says {"hour": 7, "minute": 21}
